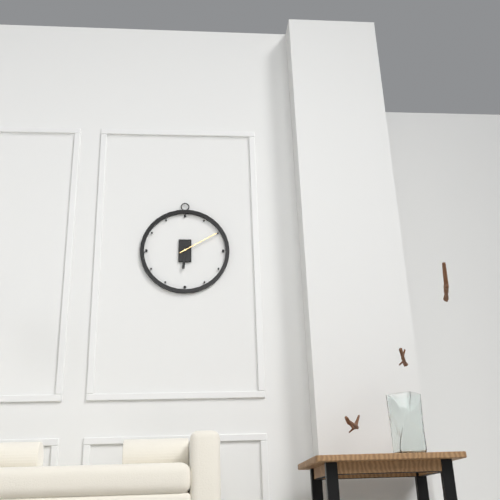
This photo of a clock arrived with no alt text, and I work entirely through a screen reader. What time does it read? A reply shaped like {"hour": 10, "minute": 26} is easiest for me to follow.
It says {"hour": 6, "minute": 10}
